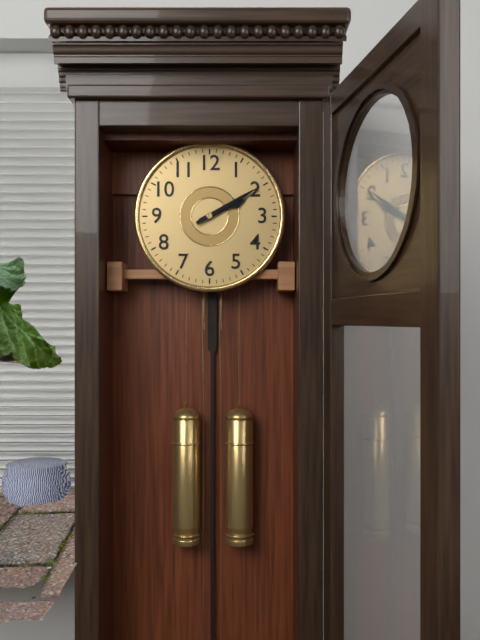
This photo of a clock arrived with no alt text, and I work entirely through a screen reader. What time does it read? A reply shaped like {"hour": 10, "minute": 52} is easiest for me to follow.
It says {"hour": 2, "minute": 10}
